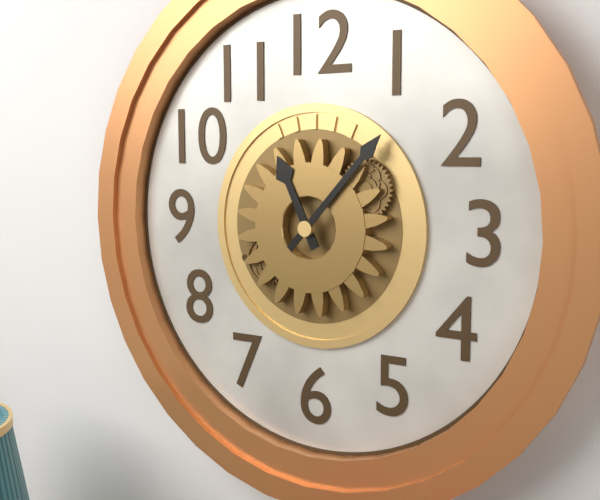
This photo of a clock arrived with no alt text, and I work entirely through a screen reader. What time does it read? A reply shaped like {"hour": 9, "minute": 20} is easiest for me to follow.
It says {"hour": 11, "minute": 7}
